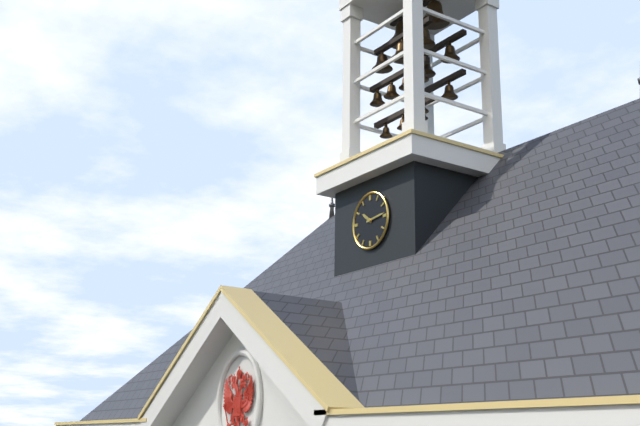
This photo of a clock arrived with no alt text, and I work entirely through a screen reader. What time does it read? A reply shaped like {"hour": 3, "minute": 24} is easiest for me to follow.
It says {"hour": 10, "minute": 14}
